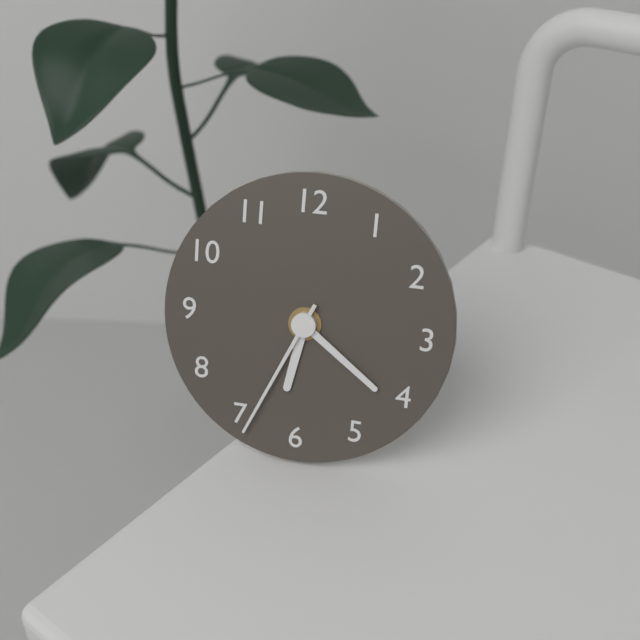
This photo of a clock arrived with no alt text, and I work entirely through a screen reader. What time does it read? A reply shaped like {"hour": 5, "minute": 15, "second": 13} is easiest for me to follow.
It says {"hour": 6, "minute": 21, "second": 34}
